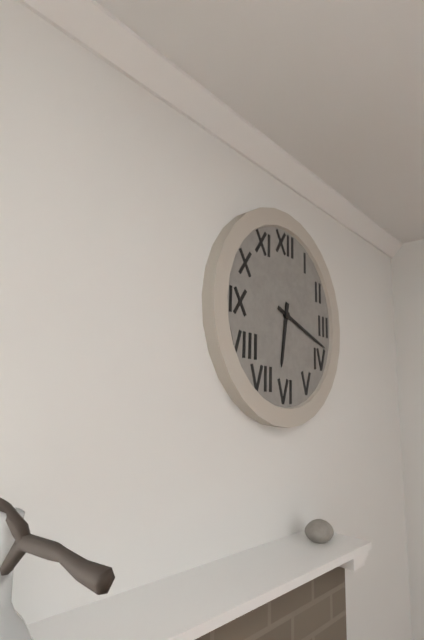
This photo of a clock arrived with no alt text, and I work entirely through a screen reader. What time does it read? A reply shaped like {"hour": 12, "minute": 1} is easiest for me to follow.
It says {"hour": 6, "minute": 18}
